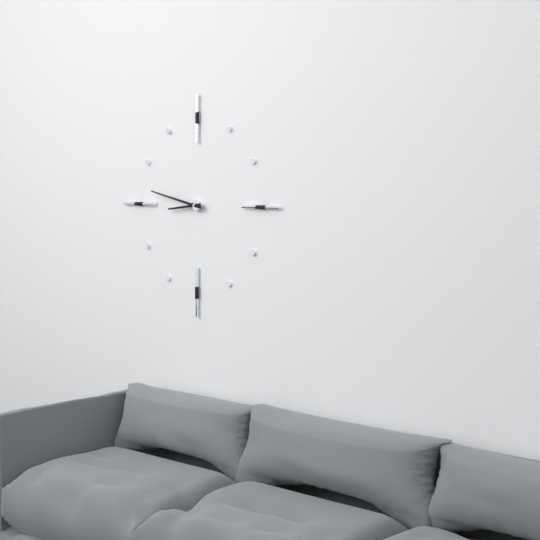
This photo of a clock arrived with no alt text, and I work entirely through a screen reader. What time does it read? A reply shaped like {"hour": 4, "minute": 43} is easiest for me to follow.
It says {"hour": 8, "minute": 47}
